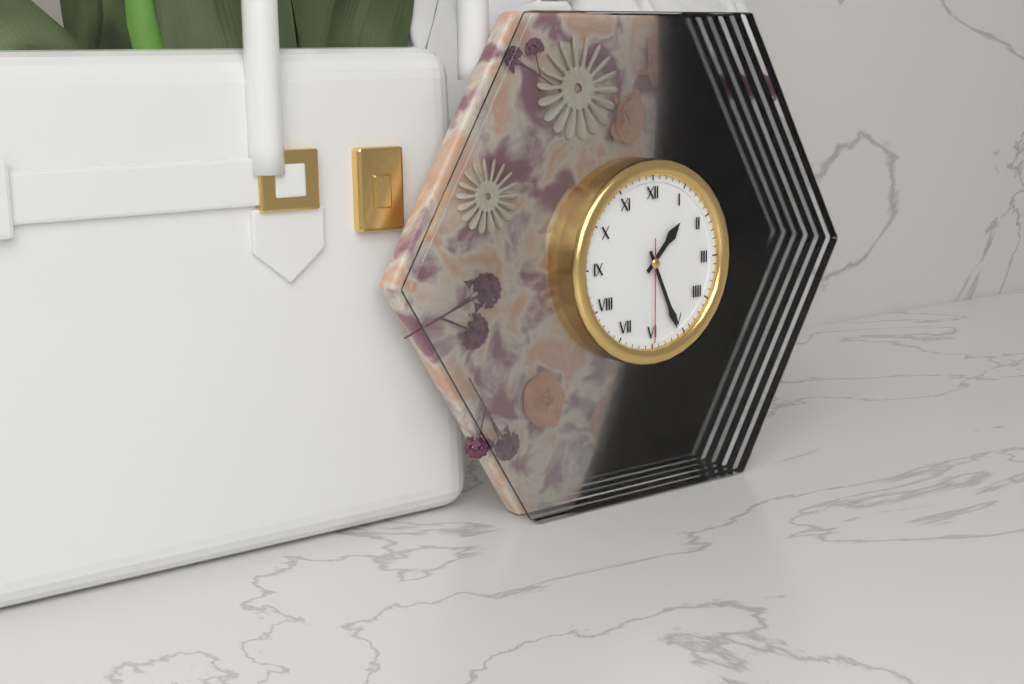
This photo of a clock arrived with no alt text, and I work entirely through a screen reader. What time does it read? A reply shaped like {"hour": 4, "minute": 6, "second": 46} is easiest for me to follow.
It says {"hour": 1, "minute": 26, "second": 30}
